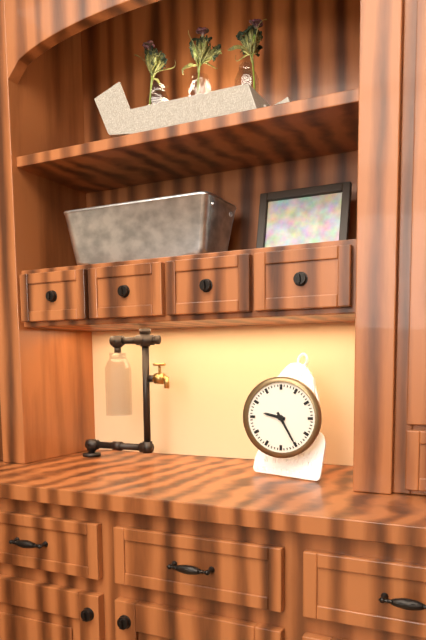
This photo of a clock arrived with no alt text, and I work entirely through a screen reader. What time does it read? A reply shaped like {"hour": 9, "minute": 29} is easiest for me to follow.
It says {"hour": 9, "minute": 25}
